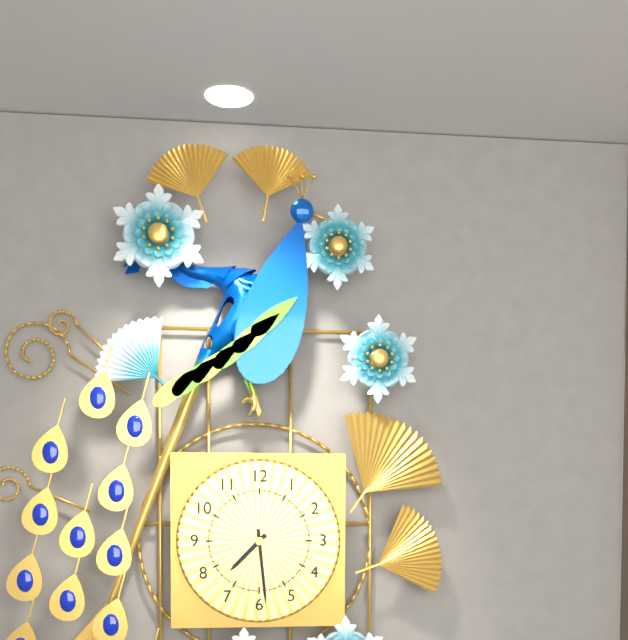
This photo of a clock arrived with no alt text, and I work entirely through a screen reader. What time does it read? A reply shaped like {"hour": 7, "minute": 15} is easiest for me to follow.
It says {"hour": 7, "minute": 29}
